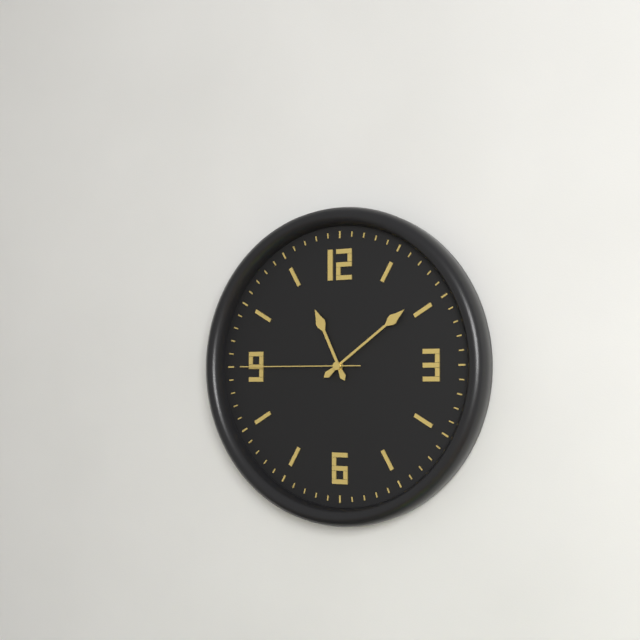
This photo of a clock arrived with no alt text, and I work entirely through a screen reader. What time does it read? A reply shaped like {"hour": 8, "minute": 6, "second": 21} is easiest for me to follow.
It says {"hour": 11, "minute": 9, "second": 45}
